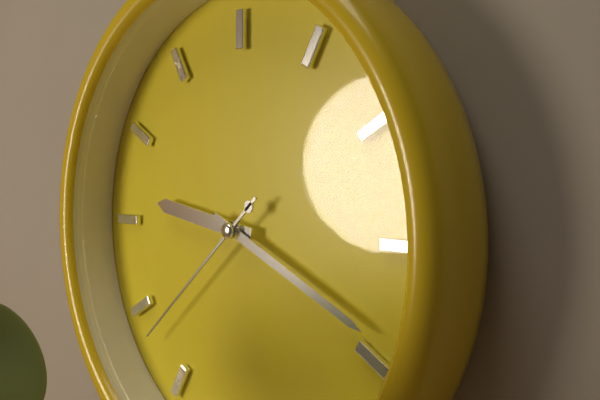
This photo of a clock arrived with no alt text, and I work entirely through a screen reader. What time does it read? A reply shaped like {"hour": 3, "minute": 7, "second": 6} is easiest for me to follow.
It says {"hour": 9, "minute": 19, "second": 38}
